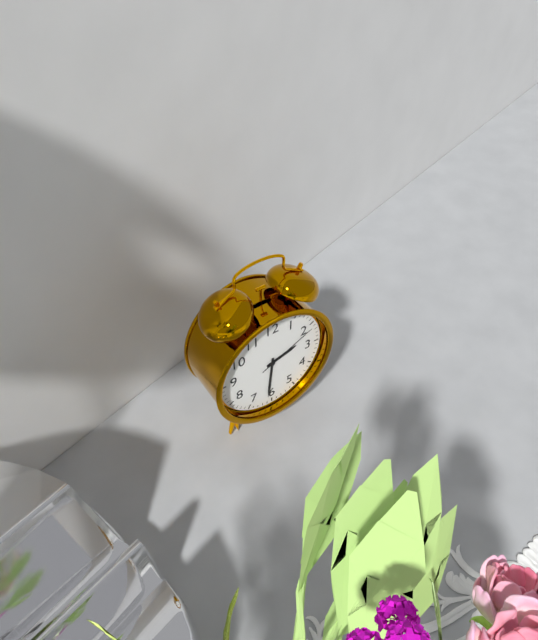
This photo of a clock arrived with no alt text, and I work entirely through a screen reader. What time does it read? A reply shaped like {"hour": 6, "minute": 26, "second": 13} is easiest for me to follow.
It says {"hour": 2, "minute": 31, "second": 11}
